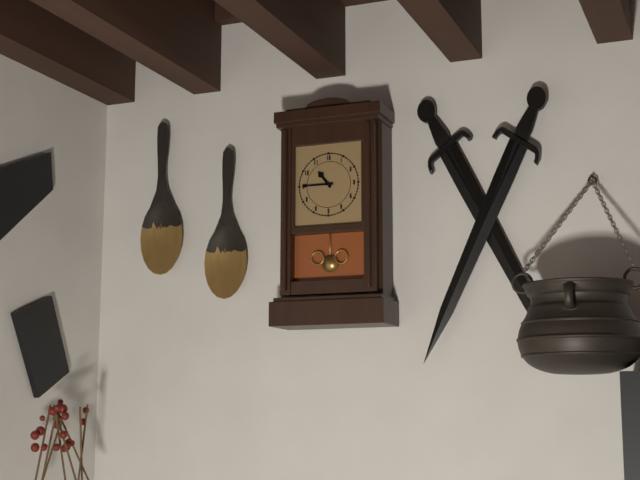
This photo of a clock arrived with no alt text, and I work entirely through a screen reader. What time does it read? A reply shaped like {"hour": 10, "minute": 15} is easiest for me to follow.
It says {"hour": 10, "minute": 45}
